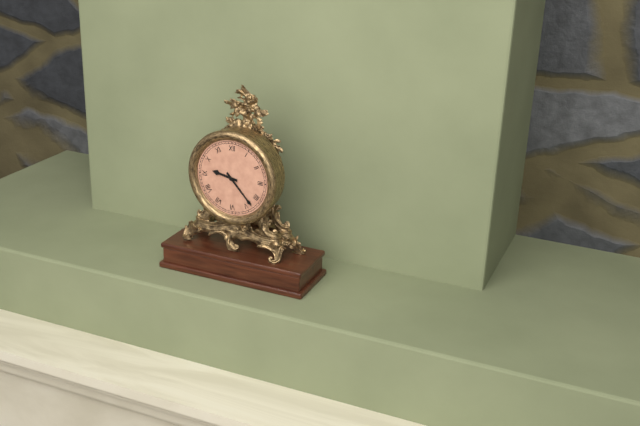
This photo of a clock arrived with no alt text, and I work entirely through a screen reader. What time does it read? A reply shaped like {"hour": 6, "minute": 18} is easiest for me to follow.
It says {"hour": 9, "minute": 23}
